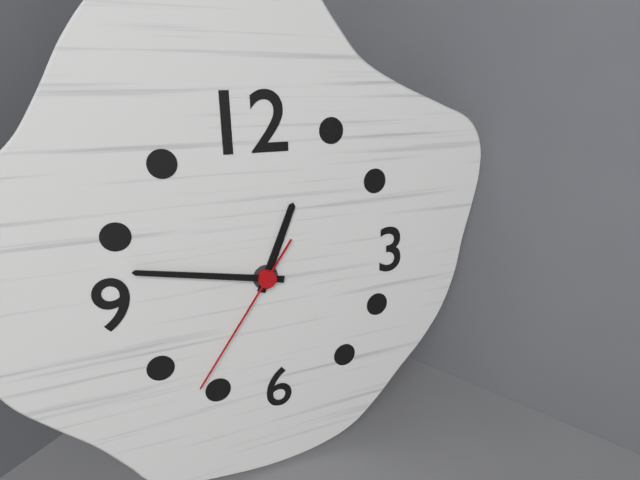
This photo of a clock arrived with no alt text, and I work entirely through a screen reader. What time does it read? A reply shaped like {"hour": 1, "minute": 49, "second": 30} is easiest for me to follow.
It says {"hour": 12, "minute": 47, "second": 36}
